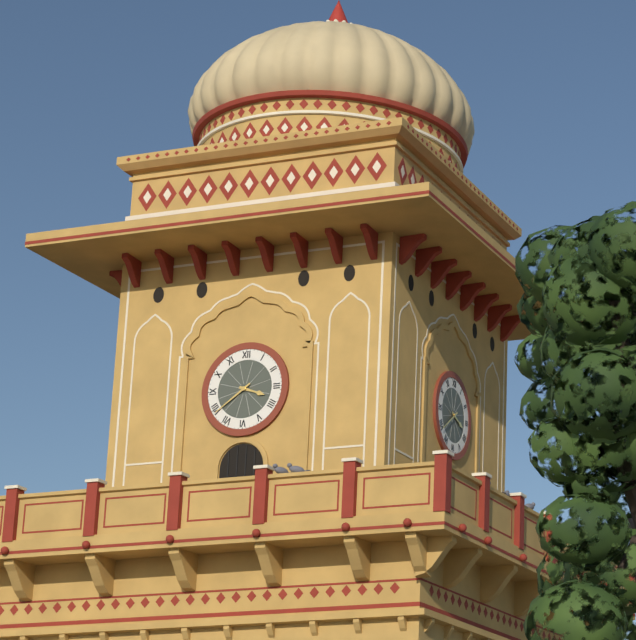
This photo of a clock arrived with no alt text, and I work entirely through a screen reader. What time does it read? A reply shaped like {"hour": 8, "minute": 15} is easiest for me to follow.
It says {"hour": 3, "minute": 39}
